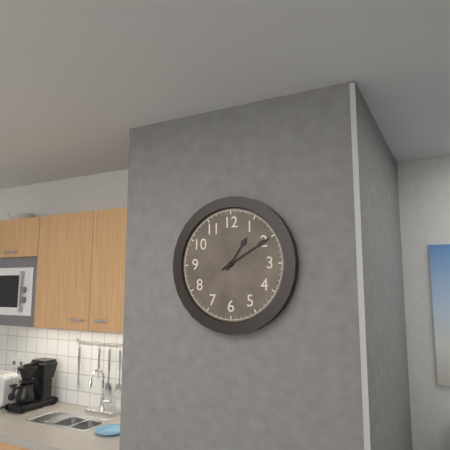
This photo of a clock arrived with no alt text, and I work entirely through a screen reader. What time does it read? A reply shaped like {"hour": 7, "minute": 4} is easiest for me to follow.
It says {"hour": 1, "minute": 10}
